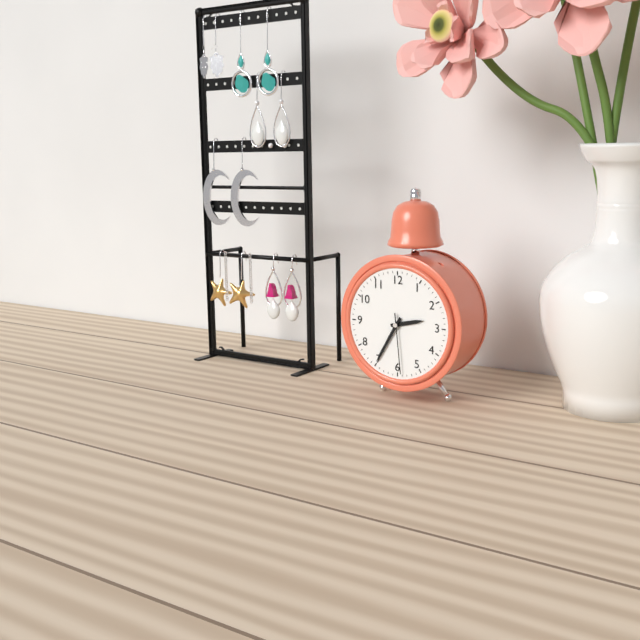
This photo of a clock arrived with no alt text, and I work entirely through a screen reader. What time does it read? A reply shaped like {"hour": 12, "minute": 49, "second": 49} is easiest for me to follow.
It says {"hour": 2, "minute": 35, "second": 29}
